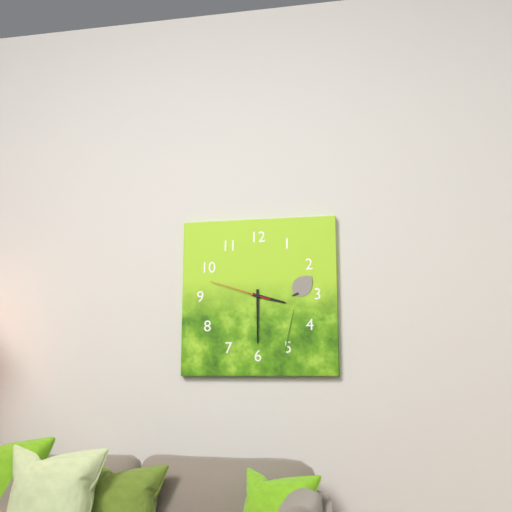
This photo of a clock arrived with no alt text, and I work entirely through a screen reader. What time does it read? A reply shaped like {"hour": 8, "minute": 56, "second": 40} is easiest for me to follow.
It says {"hour": 3, "minute": 30, "second": 48}
